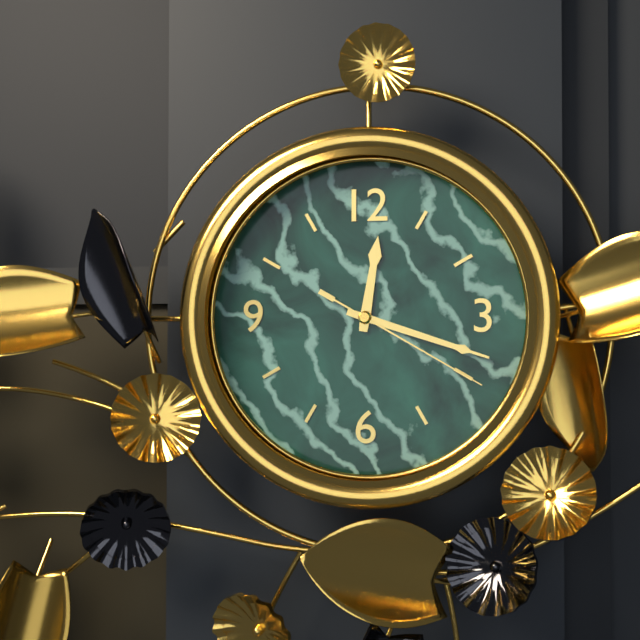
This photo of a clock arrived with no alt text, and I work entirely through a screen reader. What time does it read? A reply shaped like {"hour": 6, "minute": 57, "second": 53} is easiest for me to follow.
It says {"hour": 12, "minute": 18, "second": 20}
